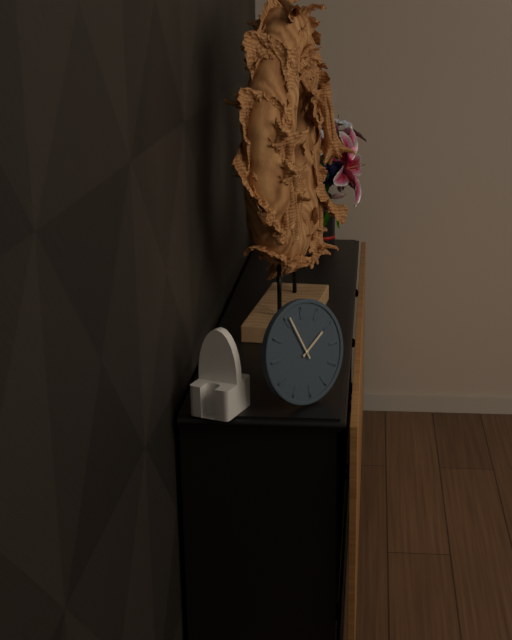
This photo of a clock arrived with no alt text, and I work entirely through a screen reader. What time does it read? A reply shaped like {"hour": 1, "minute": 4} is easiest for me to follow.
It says {"hour": 1, "minute": 56}
